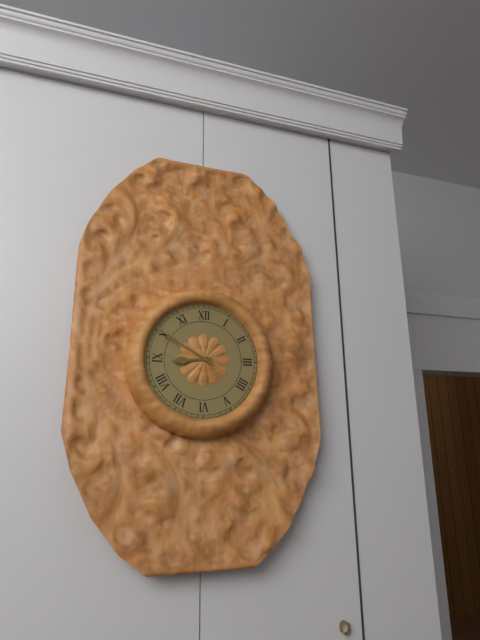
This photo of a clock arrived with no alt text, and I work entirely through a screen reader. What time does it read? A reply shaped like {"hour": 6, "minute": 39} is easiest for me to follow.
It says {"hour": 8, "minute": 50}
